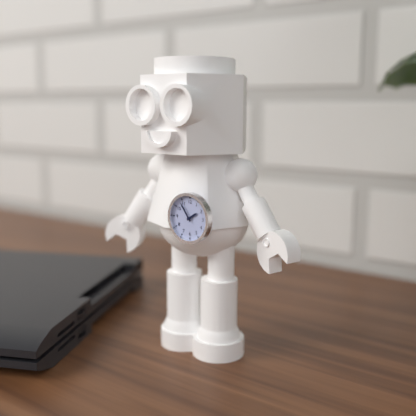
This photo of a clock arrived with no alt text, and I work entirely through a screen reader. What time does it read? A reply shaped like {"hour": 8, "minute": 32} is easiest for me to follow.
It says {"hour": 1, "minute": 54}
